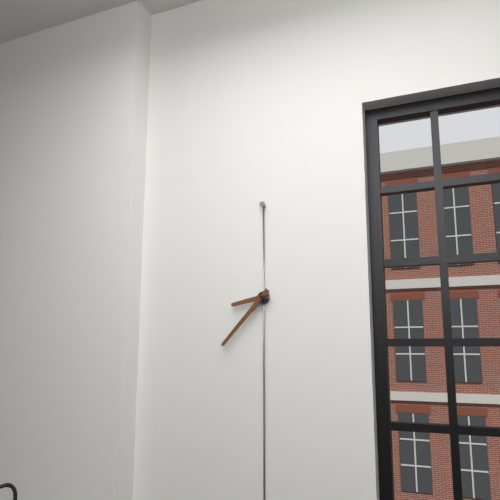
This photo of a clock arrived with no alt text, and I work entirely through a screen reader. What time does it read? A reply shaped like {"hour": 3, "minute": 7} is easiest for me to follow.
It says {"hour": 8, "minute": 37}
